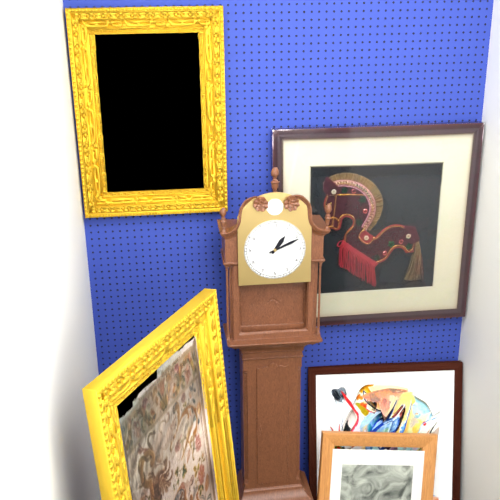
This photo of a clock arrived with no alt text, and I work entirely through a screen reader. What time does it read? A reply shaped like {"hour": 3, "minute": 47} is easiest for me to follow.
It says {"hour": 1, "minute": 11}
